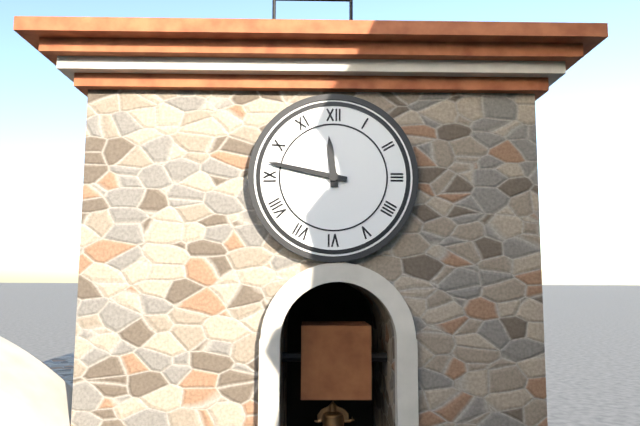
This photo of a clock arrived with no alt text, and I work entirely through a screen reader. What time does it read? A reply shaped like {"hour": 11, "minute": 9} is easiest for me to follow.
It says {"hour": 11, "minute": 47}
